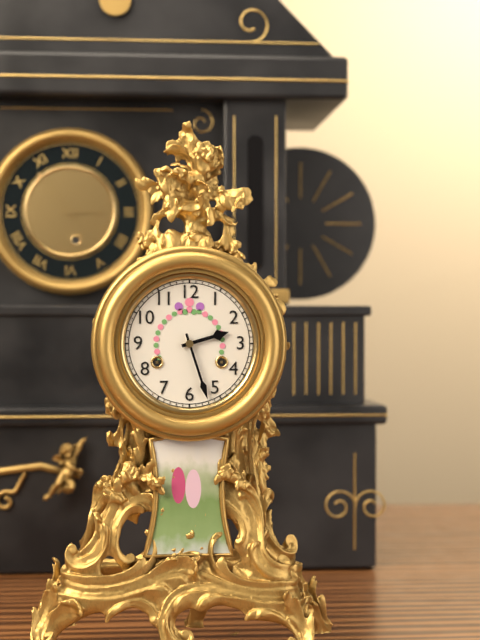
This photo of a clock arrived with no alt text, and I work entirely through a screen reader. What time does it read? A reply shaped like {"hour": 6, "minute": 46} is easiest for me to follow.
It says {"hour": 2, "minute": 27}
